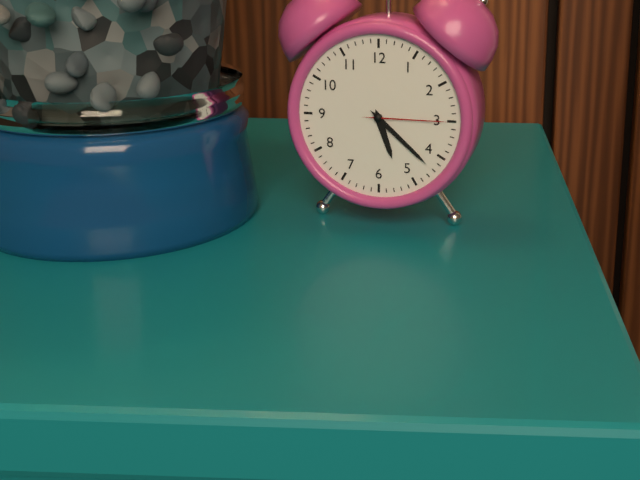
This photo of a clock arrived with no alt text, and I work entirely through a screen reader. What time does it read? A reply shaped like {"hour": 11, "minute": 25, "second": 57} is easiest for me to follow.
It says {"hour": 5, "minute": 22, "second": 15}
